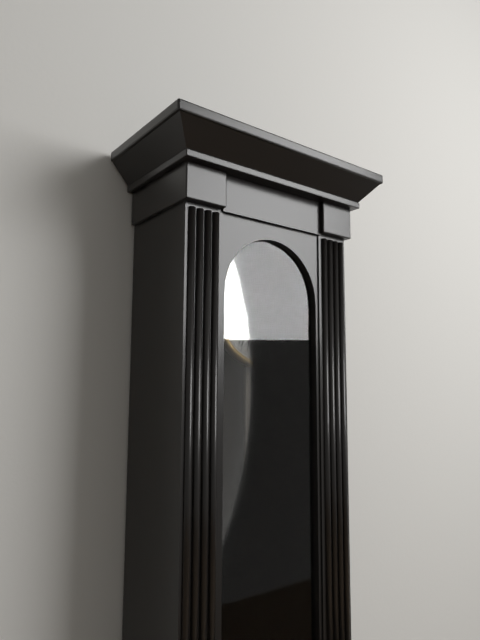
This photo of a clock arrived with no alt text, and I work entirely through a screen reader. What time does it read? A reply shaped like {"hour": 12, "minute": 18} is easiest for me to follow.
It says {"hour": 2, "minute": 52}
